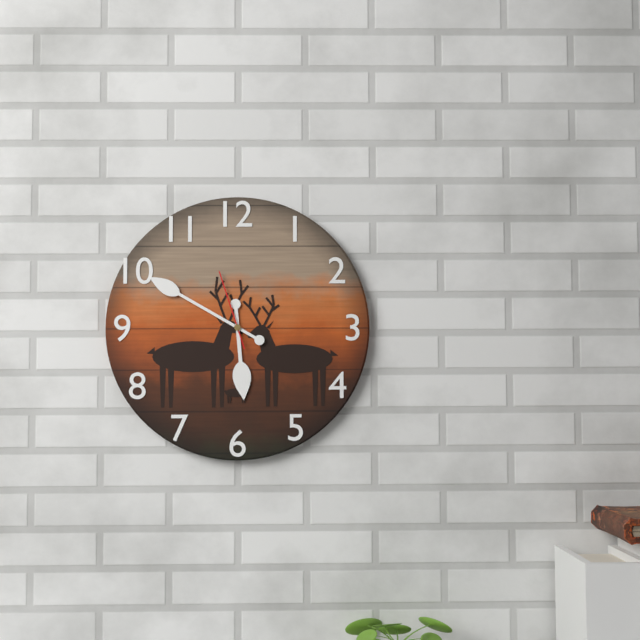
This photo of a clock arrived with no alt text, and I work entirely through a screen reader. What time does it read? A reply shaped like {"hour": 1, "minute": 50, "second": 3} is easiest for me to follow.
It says {"hour": 5, "minute": 50, "second": 57}
